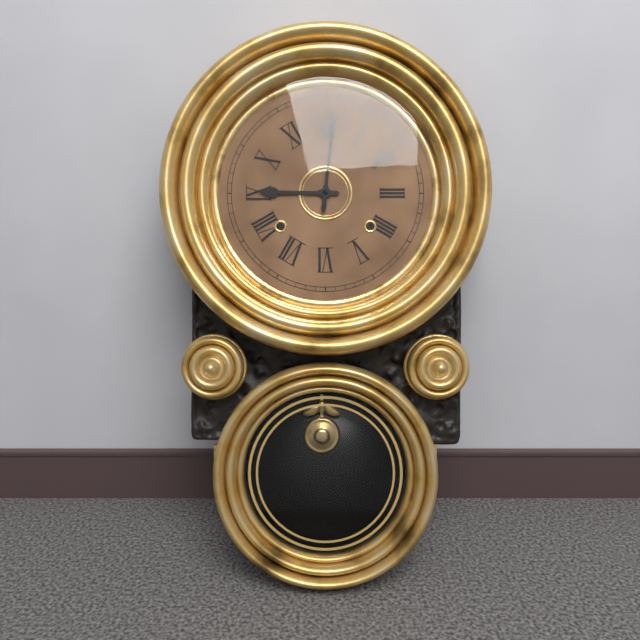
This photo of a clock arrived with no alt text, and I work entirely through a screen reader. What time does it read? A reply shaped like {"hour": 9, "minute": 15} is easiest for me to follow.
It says {"hour": 9, "minute": 1}
